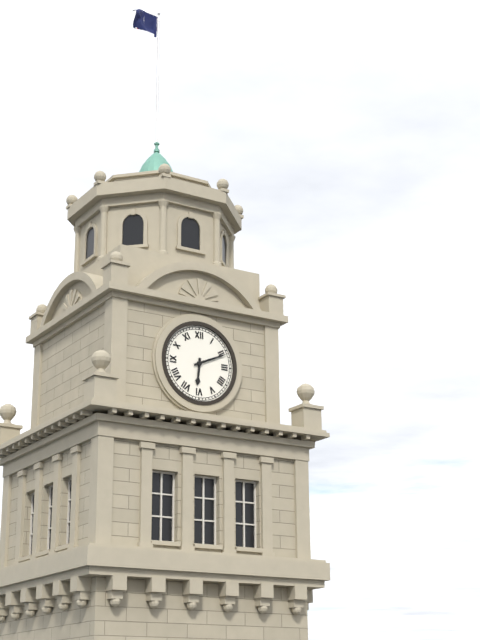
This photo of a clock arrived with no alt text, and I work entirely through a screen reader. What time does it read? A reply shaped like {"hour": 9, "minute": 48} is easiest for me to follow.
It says {"hour": 6, "minute": 11}
